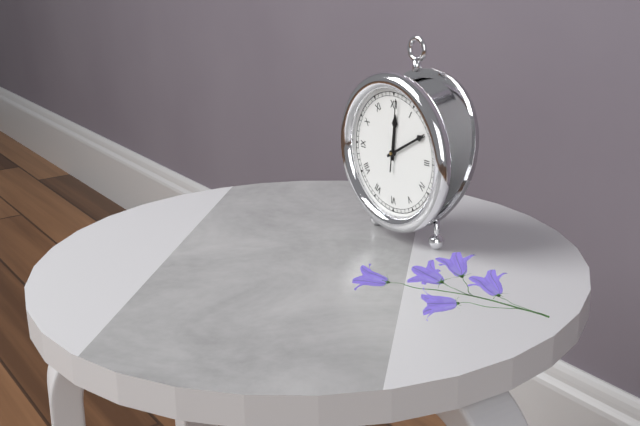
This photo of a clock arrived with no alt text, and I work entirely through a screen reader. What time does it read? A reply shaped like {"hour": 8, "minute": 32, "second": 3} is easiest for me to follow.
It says {"hour": 12, "minute": 10, "second": 1}
